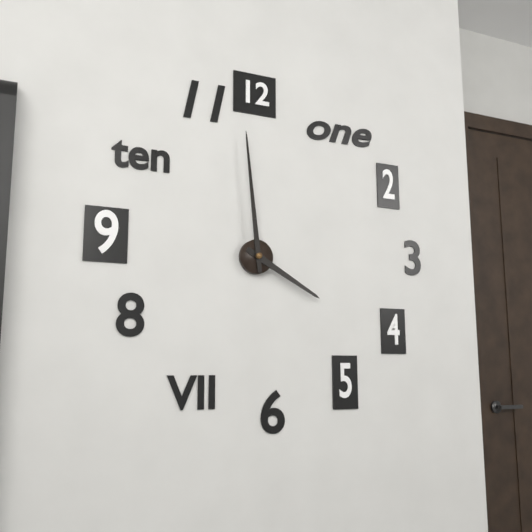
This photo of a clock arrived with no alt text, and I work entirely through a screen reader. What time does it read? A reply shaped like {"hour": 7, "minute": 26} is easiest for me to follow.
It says {"hour": 3, "minute": 59}
